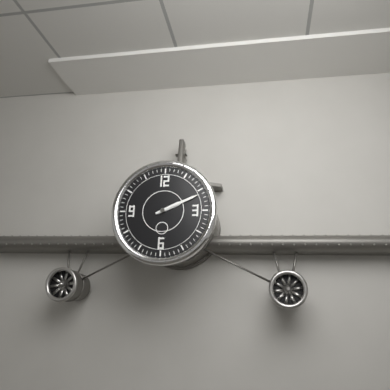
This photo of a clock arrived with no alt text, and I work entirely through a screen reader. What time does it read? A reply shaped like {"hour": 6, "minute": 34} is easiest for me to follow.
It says {"hour": 2, "minute": 11}
